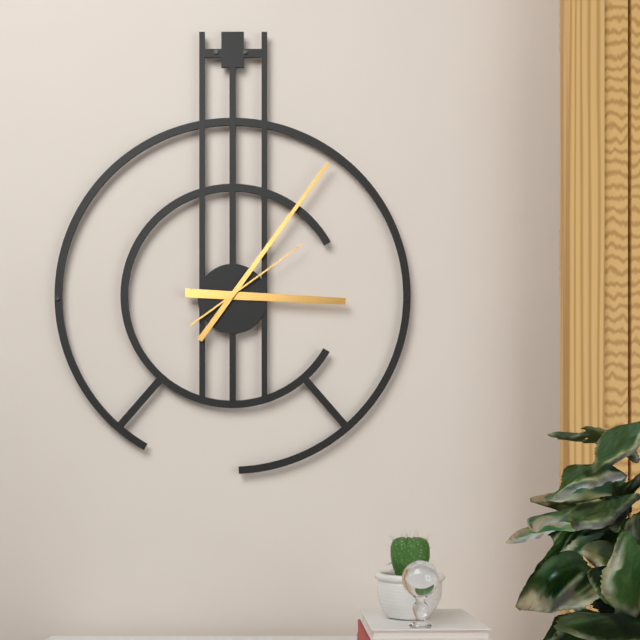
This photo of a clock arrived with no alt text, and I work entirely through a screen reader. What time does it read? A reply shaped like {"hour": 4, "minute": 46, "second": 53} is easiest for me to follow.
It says {"hour": 3, "minute": 6, "second": 9}
